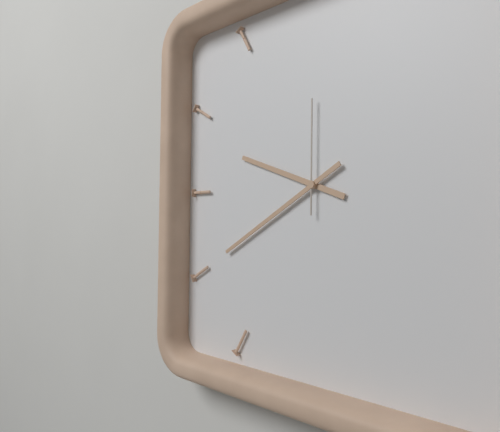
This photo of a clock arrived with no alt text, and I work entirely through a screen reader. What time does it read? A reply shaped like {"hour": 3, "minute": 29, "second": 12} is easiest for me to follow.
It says {"hour": 9, "minute": 40, "second": 0}
